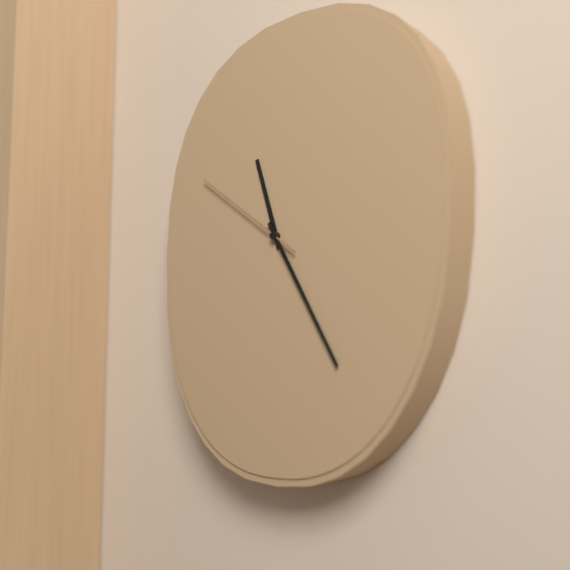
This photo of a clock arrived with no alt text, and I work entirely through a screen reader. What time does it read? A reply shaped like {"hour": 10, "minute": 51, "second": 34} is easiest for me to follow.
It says {"hour": 11, "minute": 25, "second": 51}
